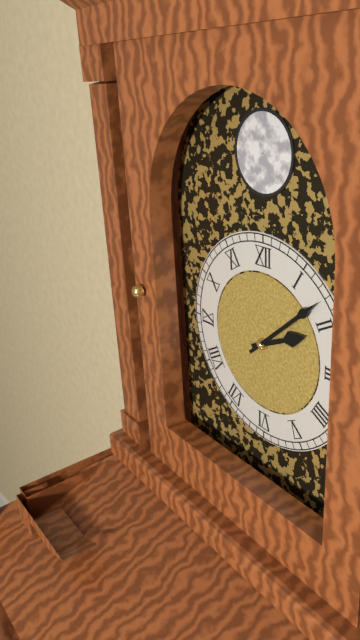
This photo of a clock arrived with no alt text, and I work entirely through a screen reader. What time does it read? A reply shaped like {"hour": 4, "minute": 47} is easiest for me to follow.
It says {"hour": 2, "minute": 8}
